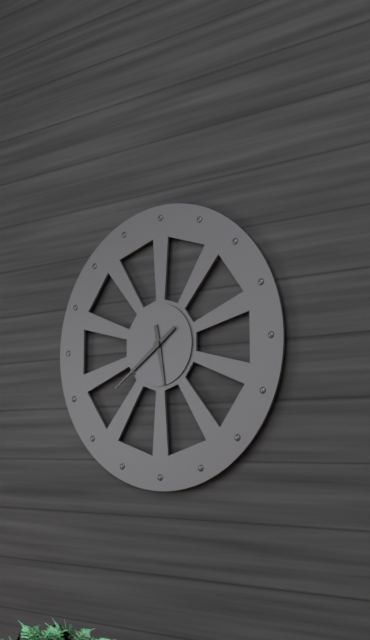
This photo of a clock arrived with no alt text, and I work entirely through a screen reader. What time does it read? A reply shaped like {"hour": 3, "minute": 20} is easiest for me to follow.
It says {"hour": 5, "minute": 39}
